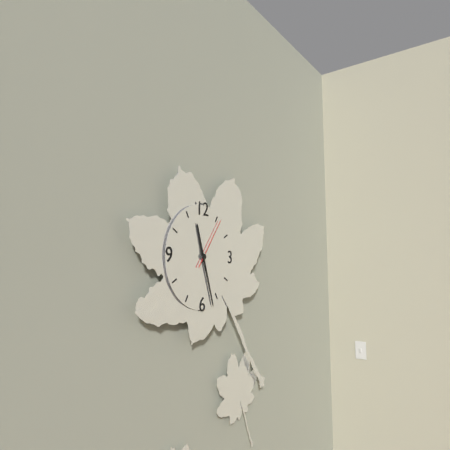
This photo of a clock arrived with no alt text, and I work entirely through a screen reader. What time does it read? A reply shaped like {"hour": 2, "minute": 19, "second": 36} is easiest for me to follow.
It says {"hour": 11, "minute": 27, "second": 6}
